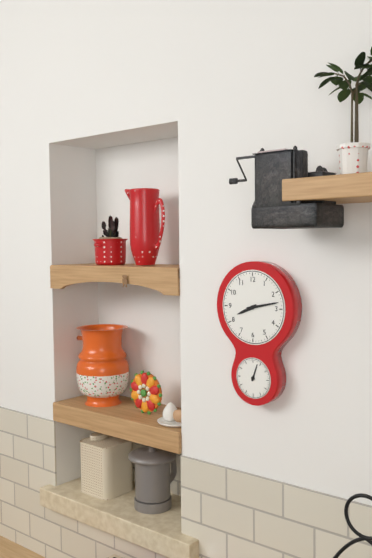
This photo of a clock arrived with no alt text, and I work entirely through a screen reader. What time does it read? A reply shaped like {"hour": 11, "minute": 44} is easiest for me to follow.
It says {"hour": 8, "minute": 13}
